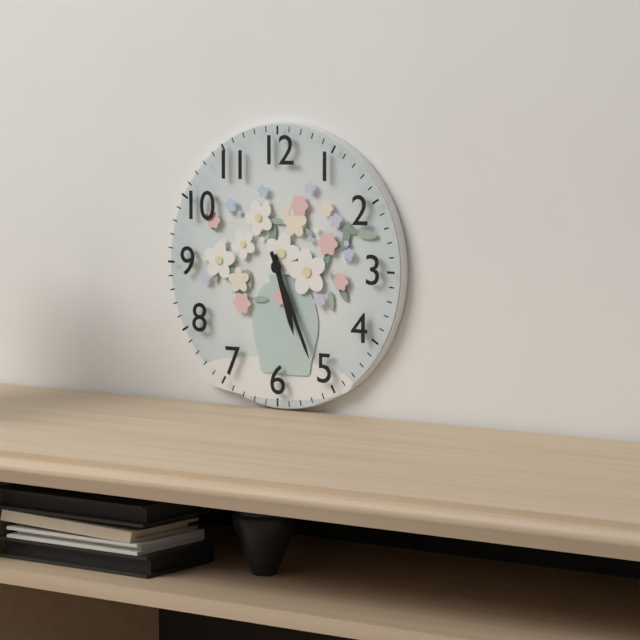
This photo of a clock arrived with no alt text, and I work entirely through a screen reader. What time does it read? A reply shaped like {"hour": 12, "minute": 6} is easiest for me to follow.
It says {"hour": 5, "minute": 26}
